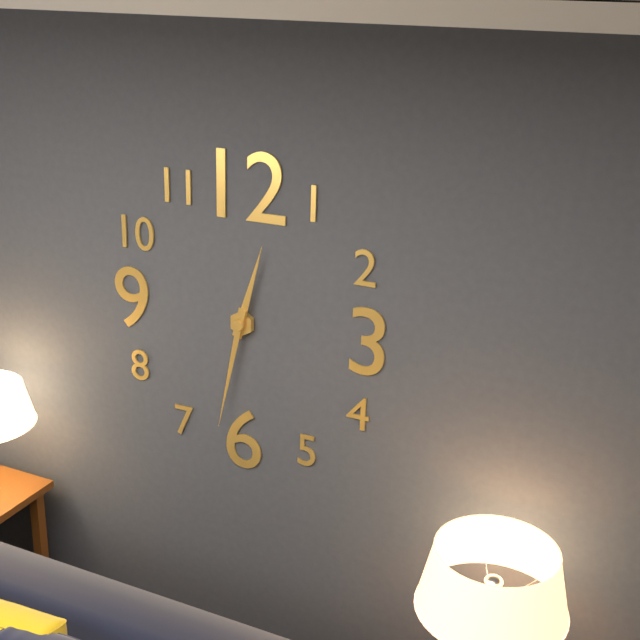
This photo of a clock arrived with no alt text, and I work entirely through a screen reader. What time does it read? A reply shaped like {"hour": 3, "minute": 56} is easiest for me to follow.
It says {"hour": 12, "minute": 32}
